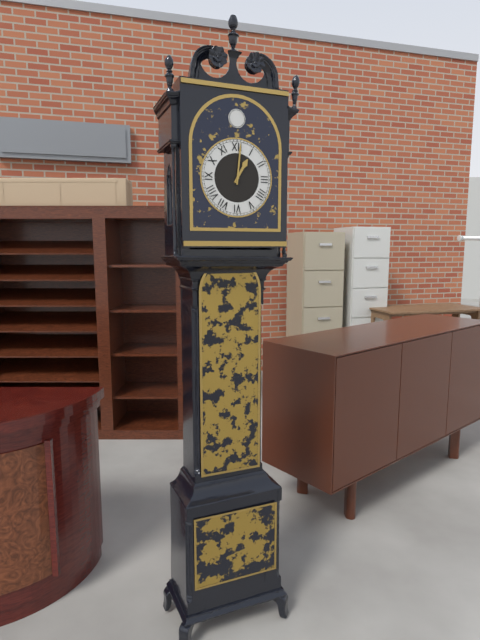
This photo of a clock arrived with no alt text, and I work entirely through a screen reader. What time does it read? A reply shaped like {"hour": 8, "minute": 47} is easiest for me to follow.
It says {"hour": 1, "minute": 1}
